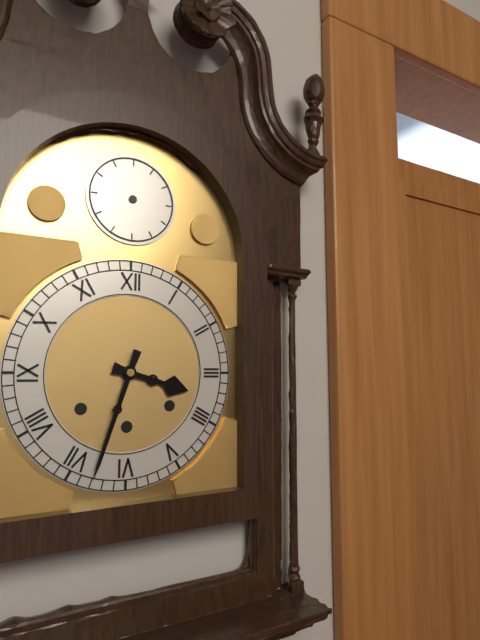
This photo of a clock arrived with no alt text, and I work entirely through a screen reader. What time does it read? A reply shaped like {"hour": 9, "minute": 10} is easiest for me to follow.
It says {"hour": 3, "minute": 33}
